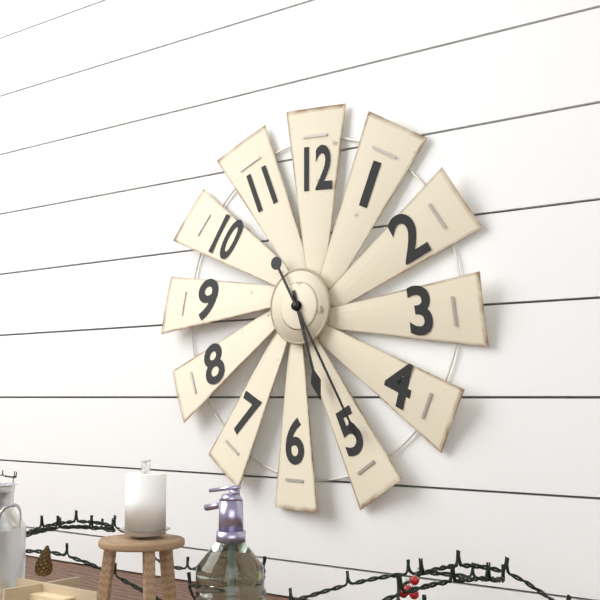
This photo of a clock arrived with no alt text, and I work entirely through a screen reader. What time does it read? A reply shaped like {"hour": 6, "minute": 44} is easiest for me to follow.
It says {"hour": 5, "minute": 25}
